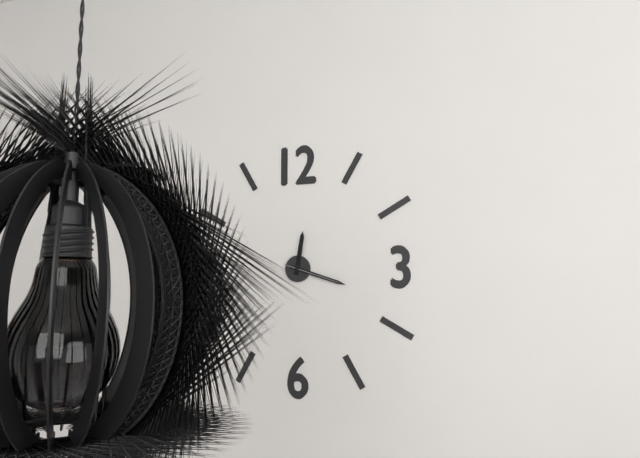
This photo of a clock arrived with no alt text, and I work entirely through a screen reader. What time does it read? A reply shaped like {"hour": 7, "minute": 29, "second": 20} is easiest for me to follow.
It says {"hour": 12, "minute": 18, "second": 18}
